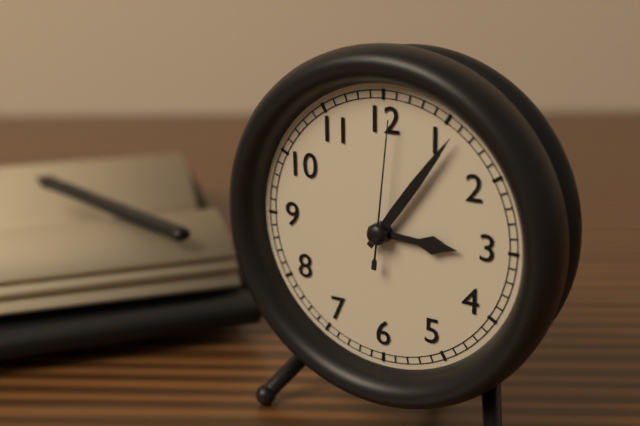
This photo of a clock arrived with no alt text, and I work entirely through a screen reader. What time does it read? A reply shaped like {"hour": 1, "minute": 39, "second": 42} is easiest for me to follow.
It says {"hour": 3, "minute": 6, "second": 1}
